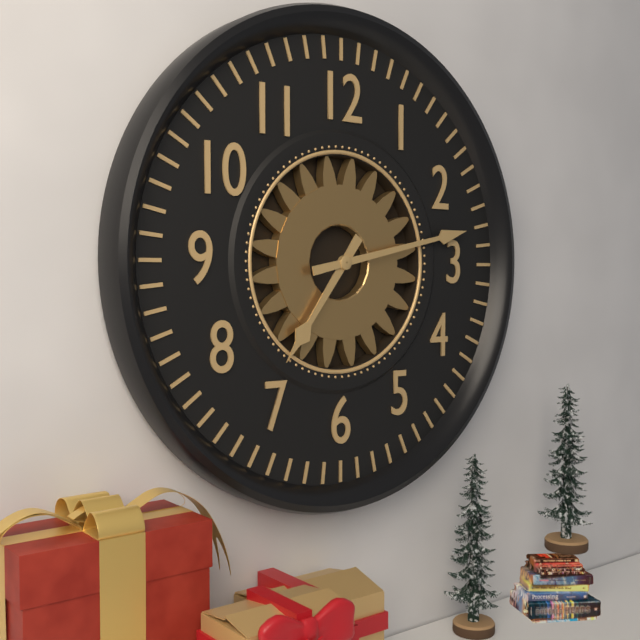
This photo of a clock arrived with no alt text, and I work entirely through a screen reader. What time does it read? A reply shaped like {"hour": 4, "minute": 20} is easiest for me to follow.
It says {"hour": 7, "minute": 13}
